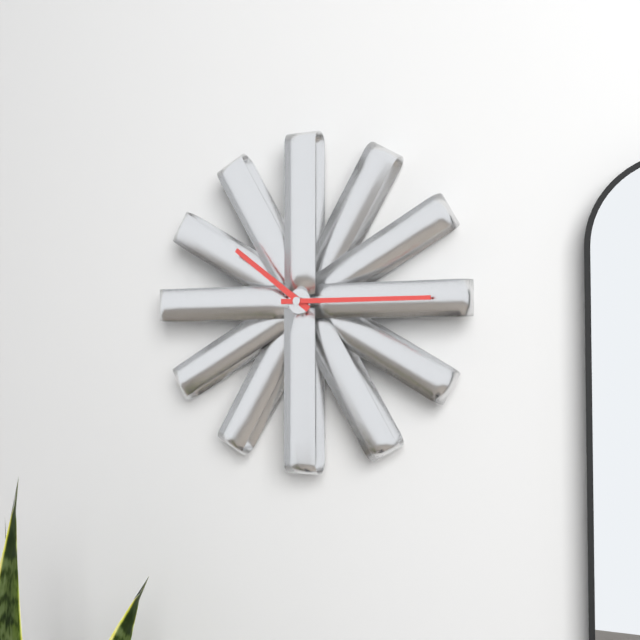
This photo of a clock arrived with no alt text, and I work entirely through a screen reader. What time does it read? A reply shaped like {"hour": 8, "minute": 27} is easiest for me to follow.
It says {"hour": 10, "minute": 15}
